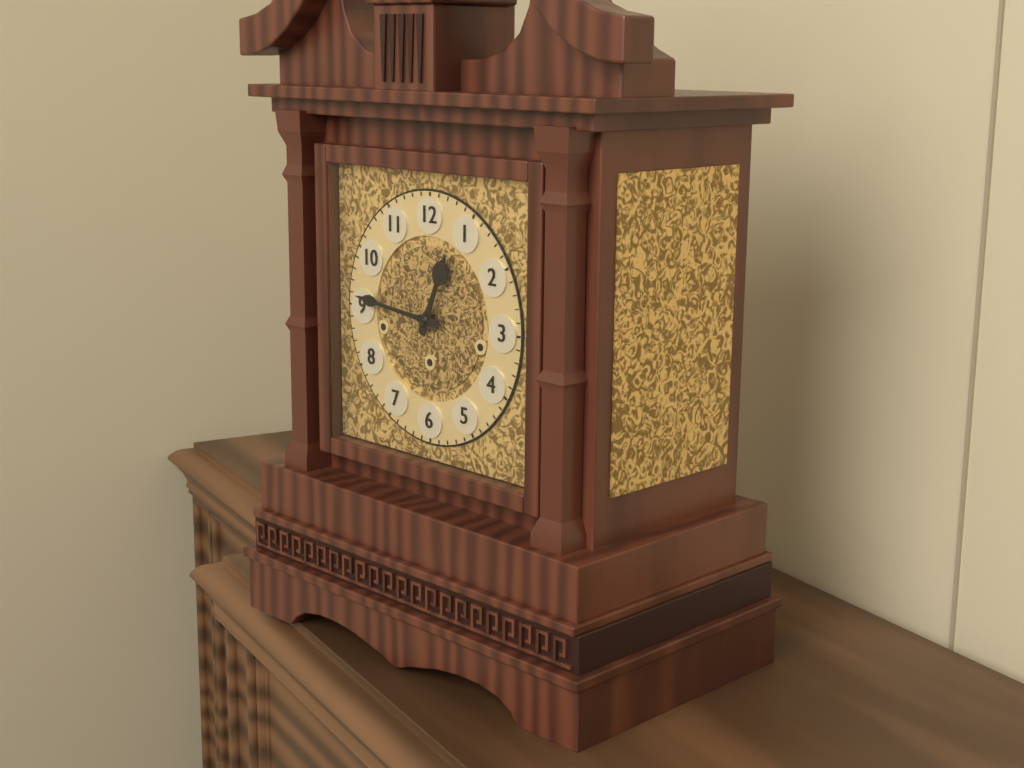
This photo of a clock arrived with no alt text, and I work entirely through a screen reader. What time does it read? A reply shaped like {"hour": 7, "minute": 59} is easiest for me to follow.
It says {"hour": 12, "minute": 46}
